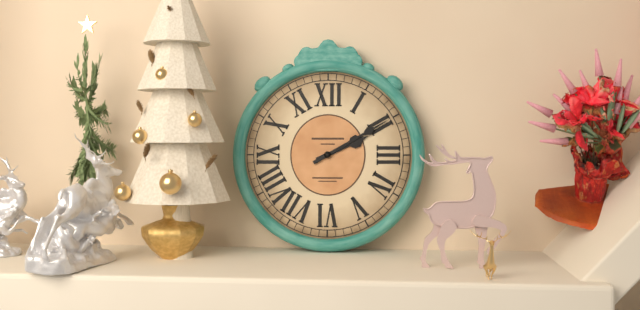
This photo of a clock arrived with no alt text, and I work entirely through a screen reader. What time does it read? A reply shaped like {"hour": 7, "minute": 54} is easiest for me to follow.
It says {"hour": 2, "minute": 10}
